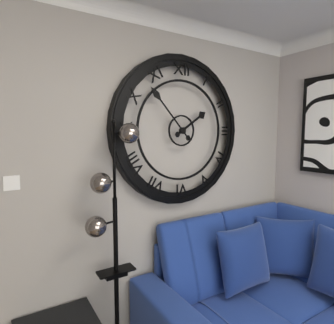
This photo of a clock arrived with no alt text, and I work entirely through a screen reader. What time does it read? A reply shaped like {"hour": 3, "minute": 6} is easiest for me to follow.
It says {"hour": 1, "minute": 53}
